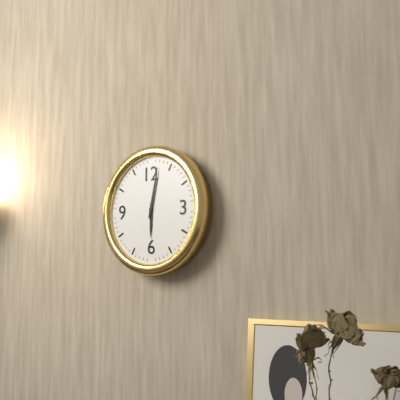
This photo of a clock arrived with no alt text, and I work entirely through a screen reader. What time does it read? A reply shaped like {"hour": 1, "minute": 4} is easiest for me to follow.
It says {"hour": 6, "minute": 2}
